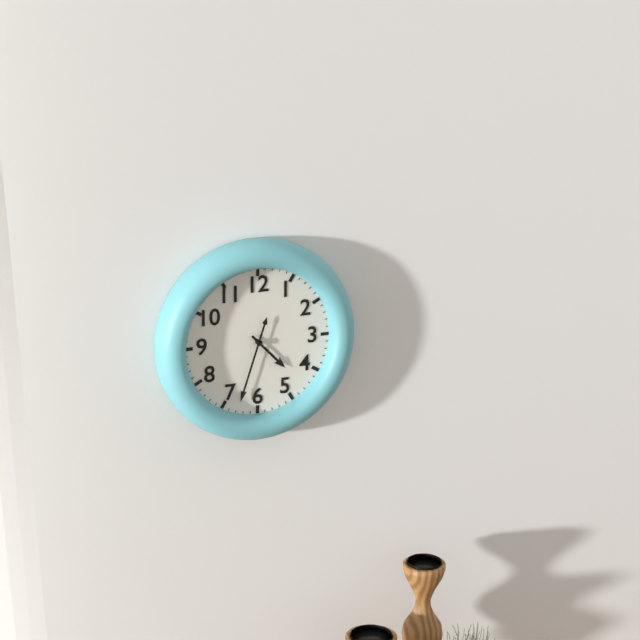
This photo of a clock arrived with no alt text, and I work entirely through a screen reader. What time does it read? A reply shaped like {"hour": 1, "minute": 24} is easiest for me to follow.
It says {"hour": 4, "minute": 33}
